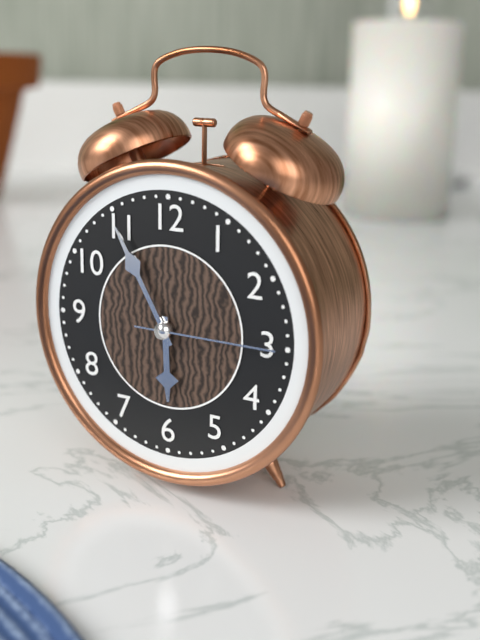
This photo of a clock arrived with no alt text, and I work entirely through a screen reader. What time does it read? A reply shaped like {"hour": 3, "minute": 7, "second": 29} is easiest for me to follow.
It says {"hour": 5, "minute": 55, "second": 15}
